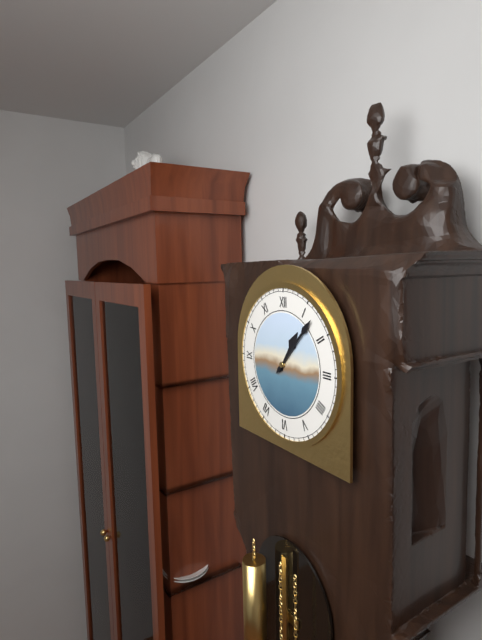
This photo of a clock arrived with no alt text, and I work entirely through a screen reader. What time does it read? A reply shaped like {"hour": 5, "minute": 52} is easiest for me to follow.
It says {"hour": 1, "minute": 7}
